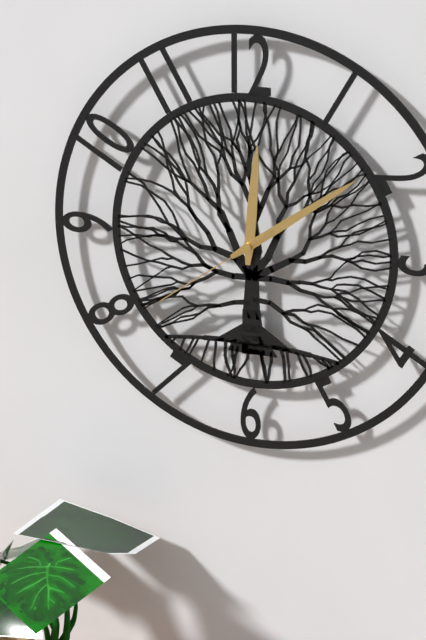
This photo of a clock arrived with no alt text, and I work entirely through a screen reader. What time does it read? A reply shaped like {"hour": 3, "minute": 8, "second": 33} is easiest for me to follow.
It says {"hour": 12, "minute": 9, "second": 39}
